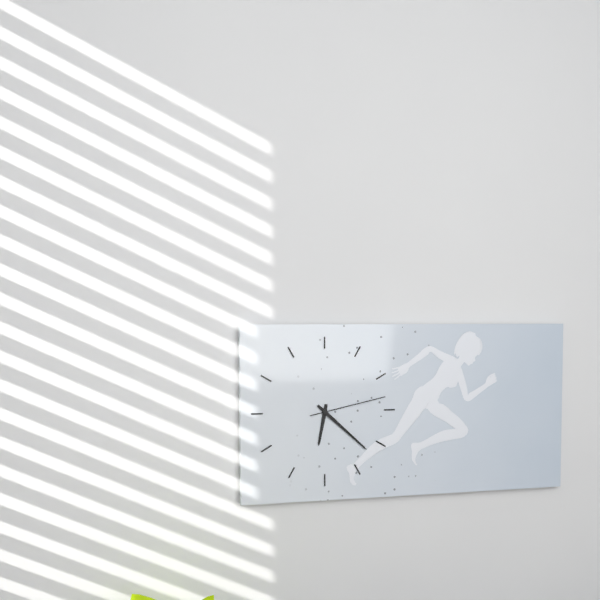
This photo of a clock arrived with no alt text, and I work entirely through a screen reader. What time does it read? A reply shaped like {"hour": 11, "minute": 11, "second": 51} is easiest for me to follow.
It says {"hour": 6, "minute": 22, "second": 13}
